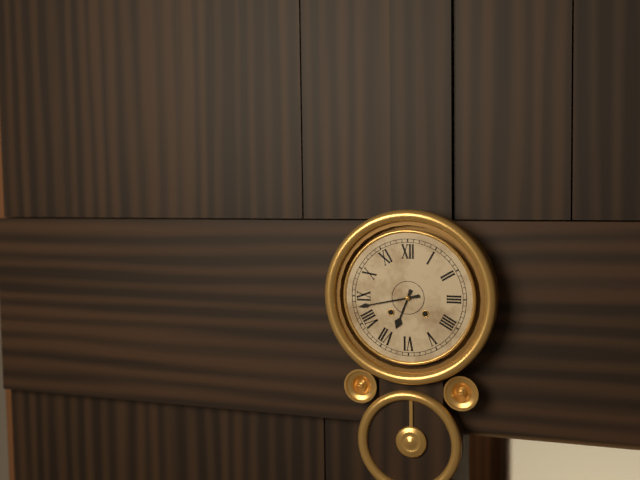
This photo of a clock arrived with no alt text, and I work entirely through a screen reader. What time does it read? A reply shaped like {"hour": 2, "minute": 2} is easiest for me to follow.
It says {"hour": 6, "minute": 43}
